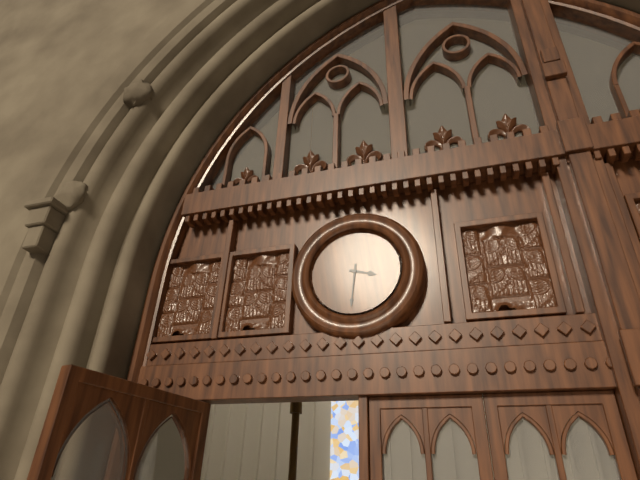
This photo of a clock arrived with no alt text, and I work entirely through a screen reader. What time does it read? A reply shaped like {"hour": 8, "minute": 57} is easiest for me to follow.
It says {"hour": 3, "minute": 31}
